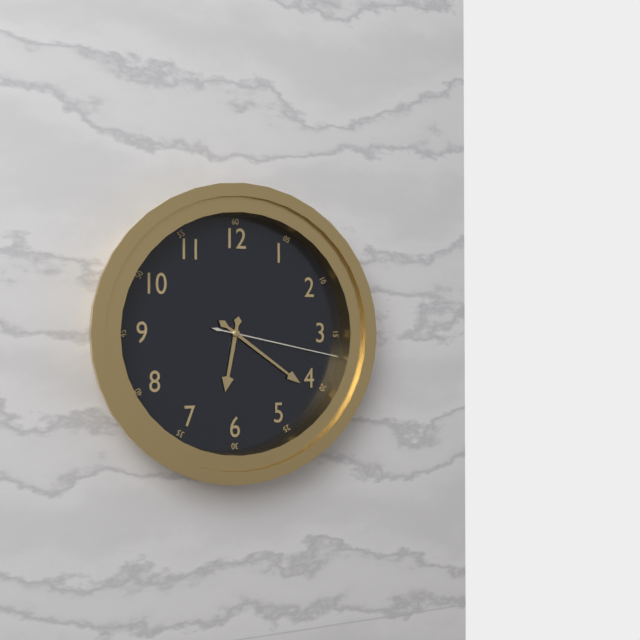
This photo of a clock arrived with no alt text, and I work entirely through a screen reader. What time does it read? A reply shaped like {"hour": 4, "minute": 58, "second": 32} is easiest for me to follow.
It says {"hour": 6, "minute": 21, "second": 17}
